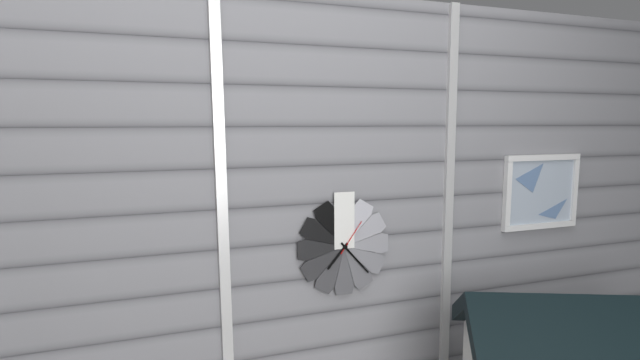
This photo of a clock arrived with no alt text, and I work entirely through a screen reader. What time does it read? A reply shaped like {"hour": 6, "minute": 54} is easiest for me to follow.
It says {"hour": 7, "minute": 23}
